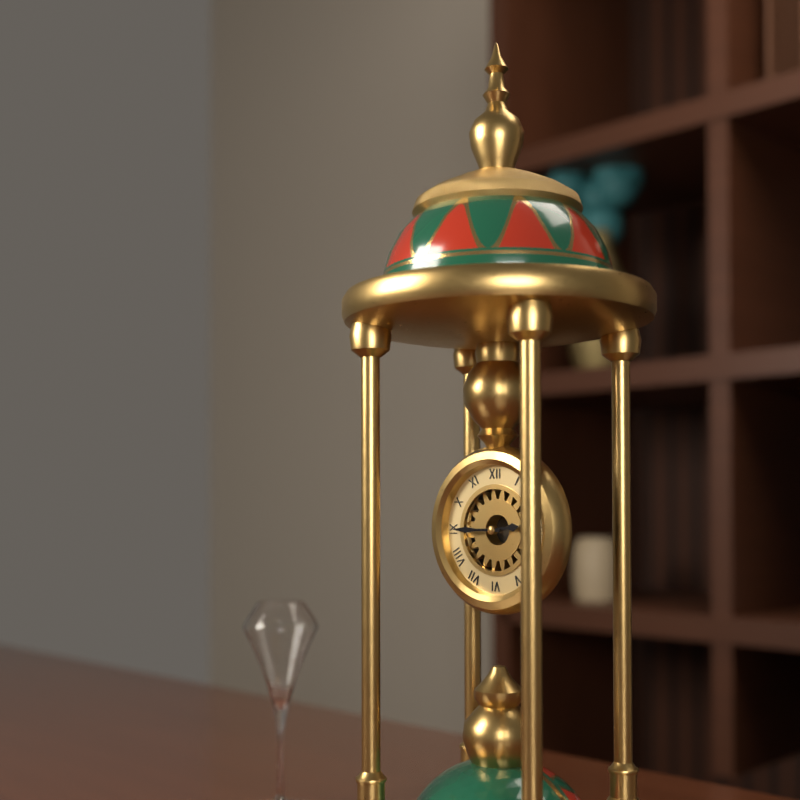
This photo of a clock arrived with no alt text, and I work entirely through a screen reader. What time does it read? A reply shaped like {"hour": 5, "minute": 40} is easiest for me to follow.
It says {"hour": 2, "minute": 45}
